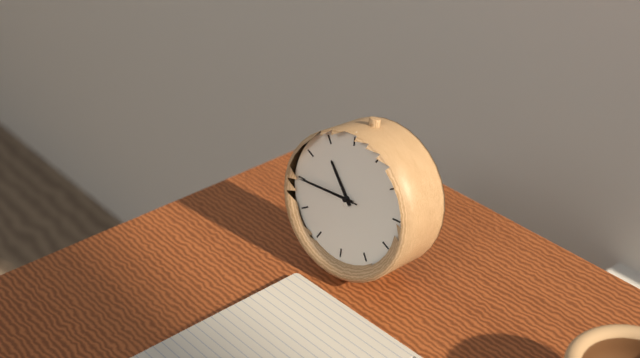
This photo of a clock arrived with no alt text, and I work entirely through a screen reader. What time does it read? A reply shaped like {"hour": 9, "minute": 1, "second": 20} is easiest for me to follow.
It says {"hour": 10, "minute": 45, "second": 45}
